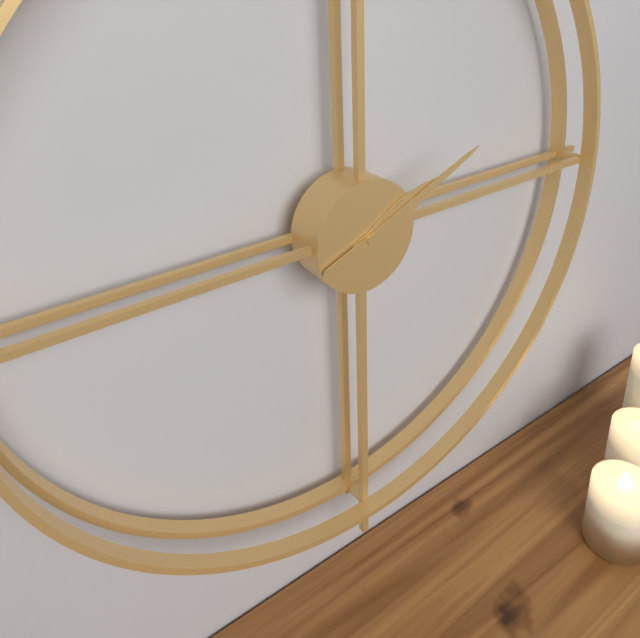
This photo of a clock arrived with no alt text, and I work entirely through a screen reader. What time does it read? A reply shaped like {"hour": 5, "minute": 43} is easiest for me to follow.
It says {"hour": 2, "minute": 11}
